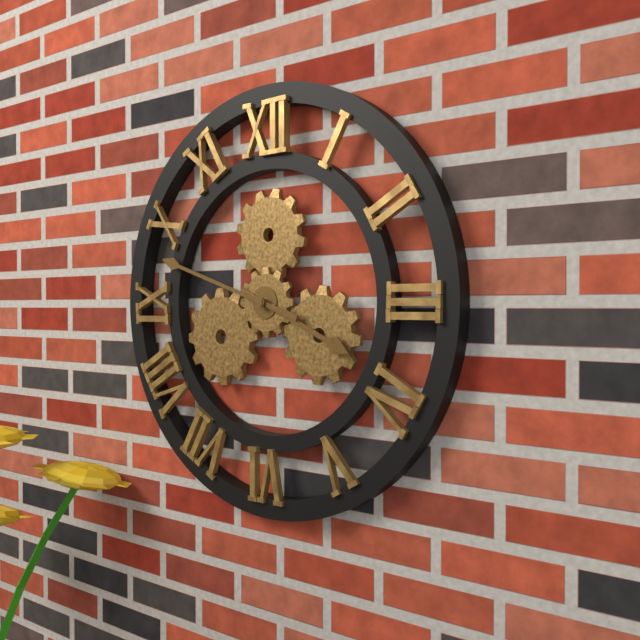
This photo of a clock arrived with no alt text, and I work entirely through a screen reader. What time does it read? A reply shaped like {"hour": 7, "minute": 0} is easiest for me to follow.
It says {"hour": 3, "minute": 48}
